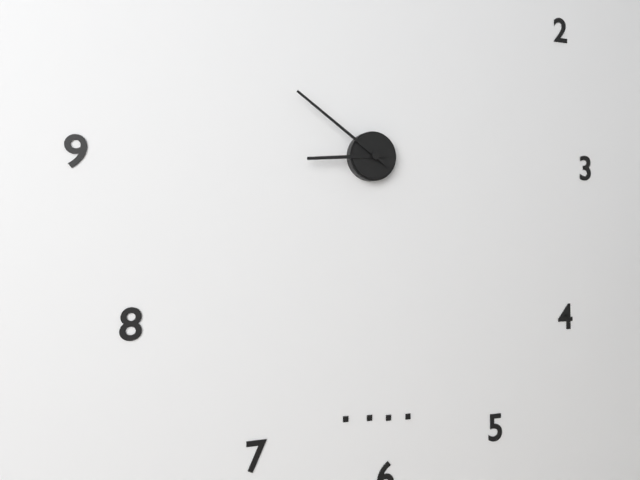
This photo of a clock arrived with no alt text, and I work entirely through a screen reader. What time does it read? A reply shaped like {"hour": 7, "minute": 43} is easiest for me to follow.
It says {"hour": 8, "minute": 51}
